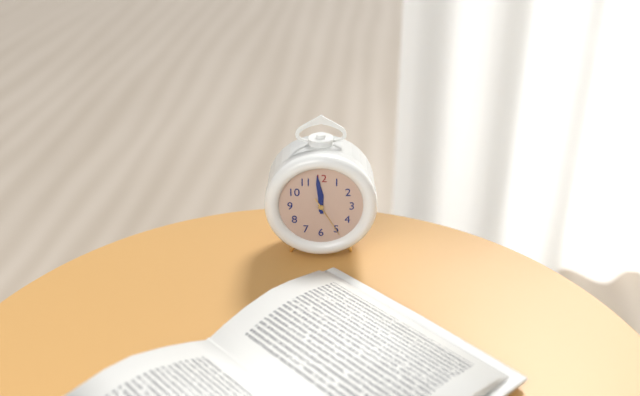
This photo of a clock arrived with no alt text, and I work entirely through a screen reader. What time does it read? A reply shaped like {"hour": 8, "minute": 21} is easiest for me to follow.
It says {"hour": 11, "minute": 59}
